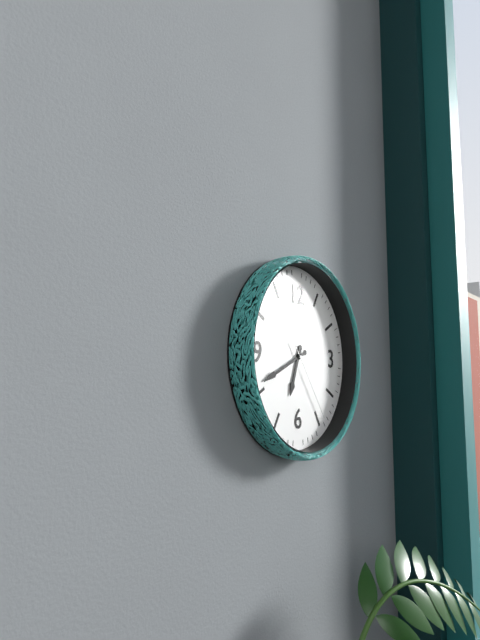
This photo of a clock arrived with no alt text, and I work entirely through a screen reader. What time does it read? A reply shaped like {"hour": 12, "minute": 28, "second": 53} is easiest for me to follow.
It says {"hour": 6, "minute": 41, "second": 24}
